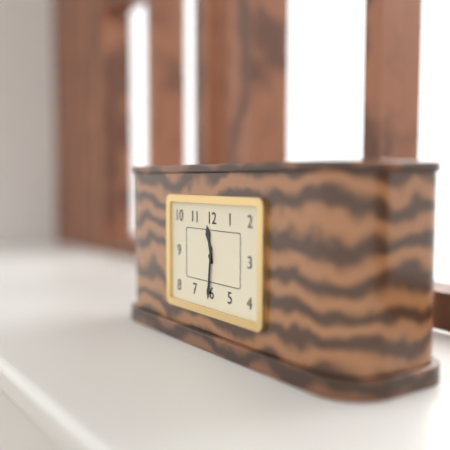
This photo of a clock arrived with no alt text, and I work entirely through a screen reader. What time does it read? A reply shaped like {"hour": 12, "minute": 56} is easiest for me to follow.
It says {"hour": 11, "minute": 31}
